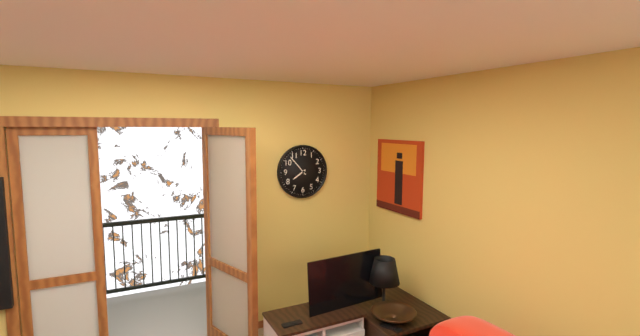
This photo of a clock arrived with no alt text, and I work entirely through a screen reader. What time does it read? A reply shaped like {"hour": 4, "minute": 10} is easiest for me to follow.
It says {"hour": 7, "minute": 53}
